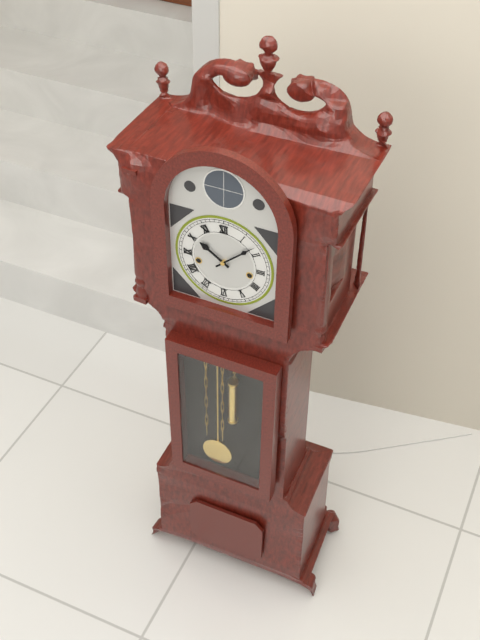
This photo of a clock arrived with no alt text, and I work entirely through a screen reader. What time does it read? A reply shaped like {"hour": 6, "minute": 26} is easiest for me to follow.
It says {"hour": 10, "minute": 8}
